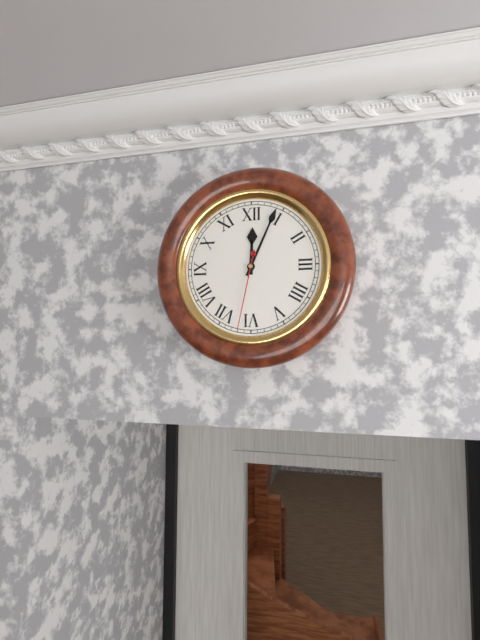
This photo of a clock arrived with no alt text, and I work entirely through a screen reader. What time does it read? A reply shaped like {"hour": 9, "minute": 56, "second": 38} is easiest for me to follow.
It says {"hour": 12, "minute": 4, "second": 32}
